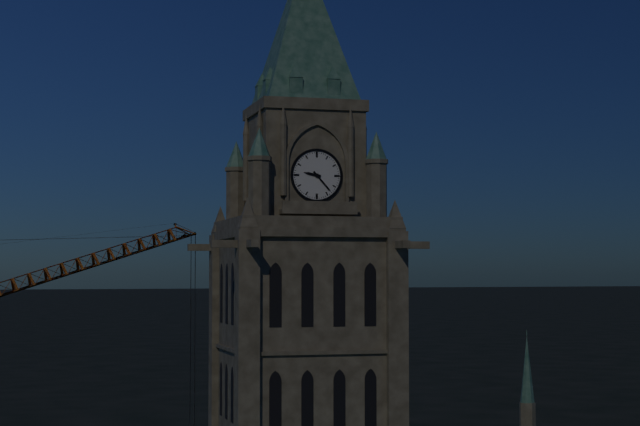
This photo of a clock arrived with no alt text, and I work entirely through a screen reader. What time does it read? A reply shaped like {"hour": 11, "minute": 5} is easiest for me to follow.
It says {"hour": 9, "minute": 23}
